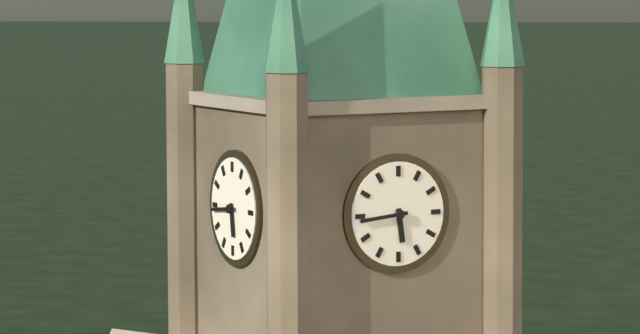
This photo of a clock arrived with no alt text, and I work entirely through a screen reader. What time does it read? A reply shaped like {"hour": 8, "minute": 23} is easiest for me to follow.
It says {"hour": 5, "minute": 44}
